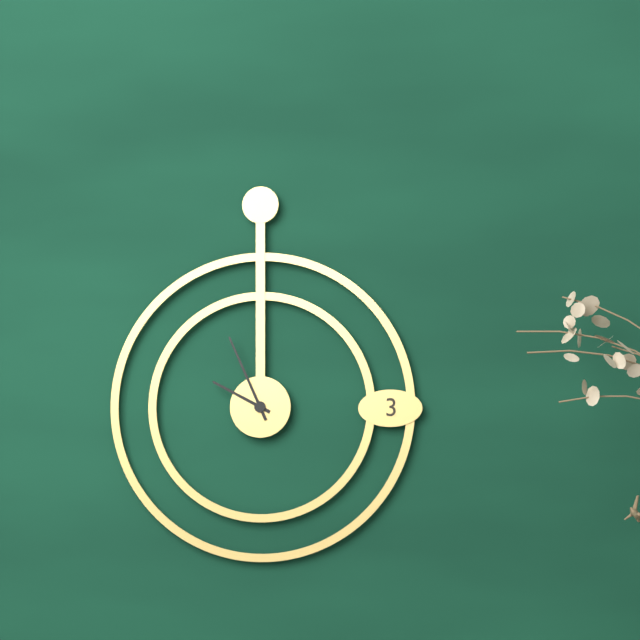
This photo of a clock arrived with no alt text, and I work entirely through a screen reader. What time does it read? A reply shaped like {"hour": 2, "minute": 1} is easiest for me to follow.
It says {"hour": 9, "minute": 56}
